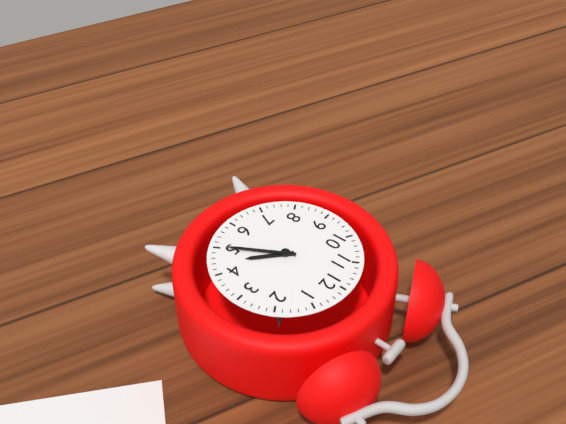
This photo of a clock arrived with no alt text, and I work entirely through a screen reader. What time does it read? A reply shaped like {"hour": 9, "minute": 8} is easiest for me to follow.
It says {"hour": 4, "minute": 25}
